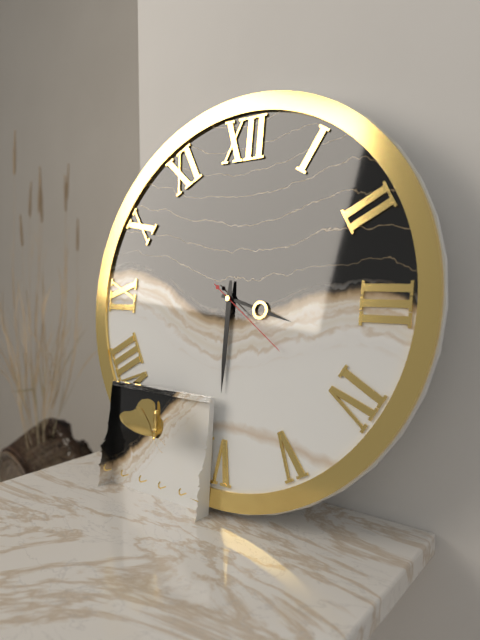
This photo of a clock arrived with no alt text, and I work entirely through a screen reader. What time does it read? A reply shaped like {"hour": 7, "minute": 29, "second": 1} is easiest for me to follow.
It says {"hour": 3, "minute": 30, "second": 21}
